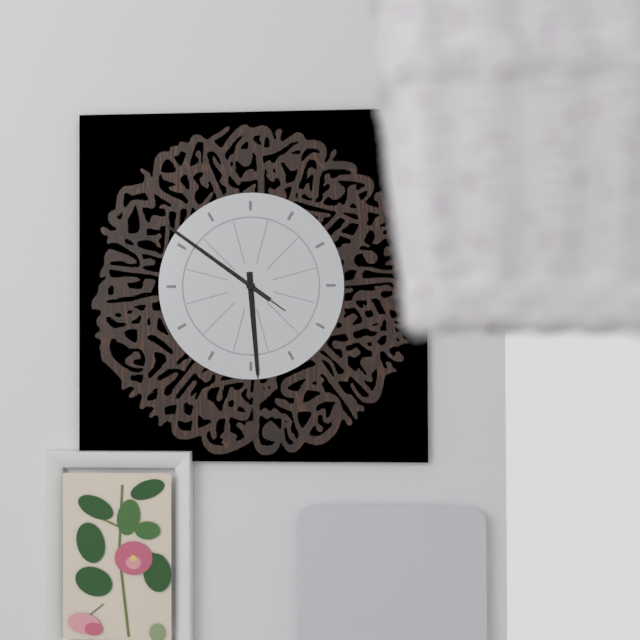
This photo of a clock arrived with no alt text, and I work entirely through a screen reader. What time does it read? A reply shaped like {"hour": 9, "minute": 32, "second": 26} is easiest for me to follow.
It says {"hour": 5, "minute": 51, "second": 21}
